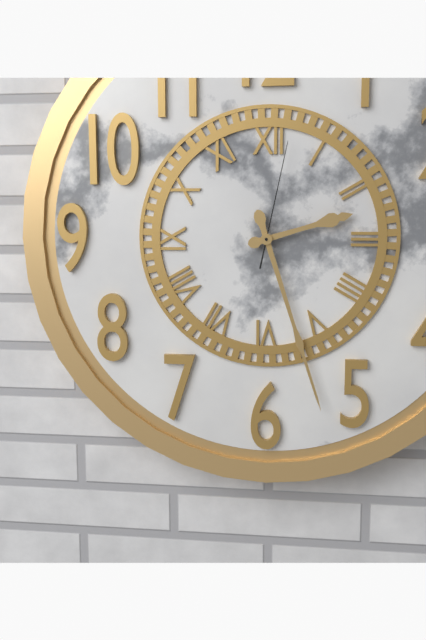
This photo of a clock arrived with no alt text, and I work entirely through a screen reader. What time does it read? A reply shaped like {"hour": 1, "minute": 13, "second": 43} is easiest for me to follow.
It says {"hour": 2, "minute": 27, "second": 2}
